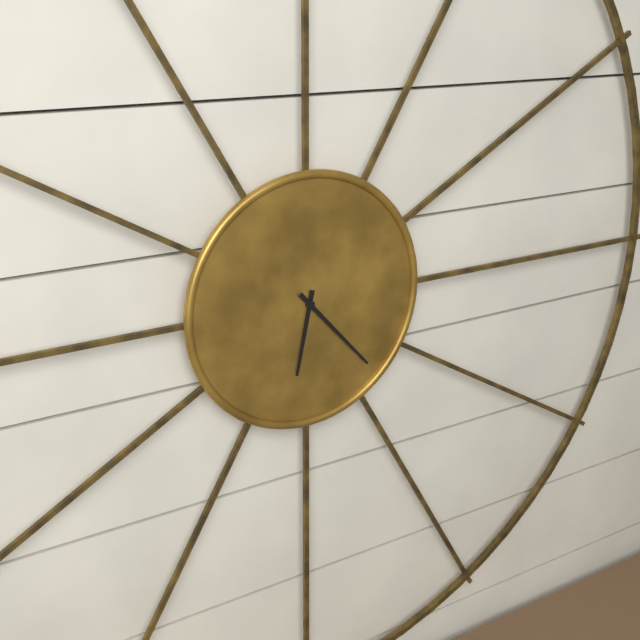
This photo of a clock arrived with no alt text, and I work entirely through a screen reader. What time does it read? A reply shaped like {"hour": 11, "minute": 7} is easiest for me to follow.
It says {"hour": 6, "minute": 23}
